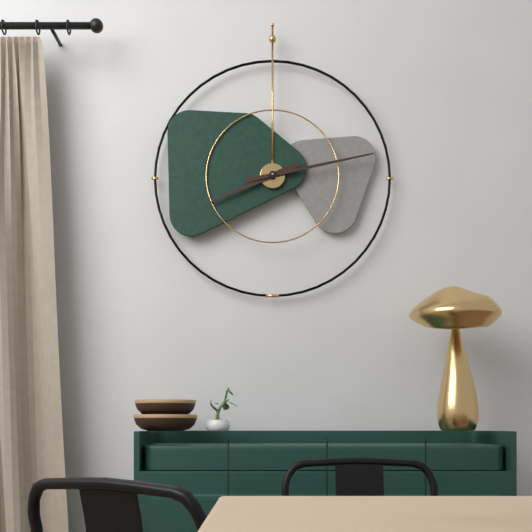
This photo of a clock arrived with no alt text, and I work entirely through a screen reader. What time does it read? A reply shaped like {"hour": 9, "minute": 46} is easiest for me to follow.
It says {"hour": 8, "minute": 13}
